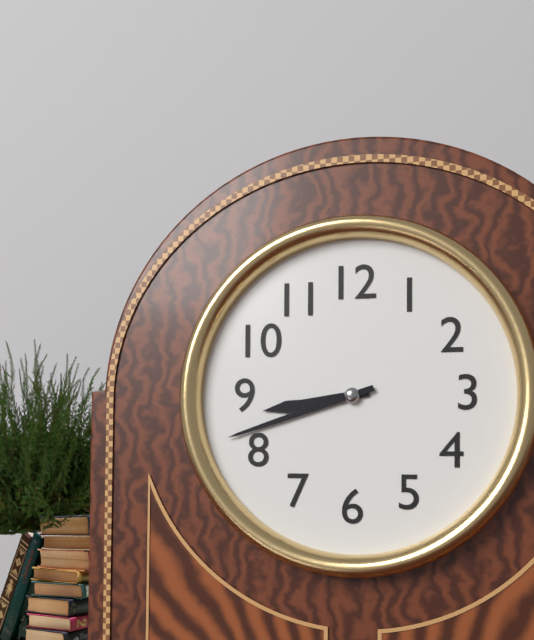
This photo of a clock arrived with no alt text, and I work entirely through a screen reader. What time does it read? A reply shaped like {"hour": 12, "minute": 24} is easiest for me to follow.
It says {"hour": 8, "minute": 42}
